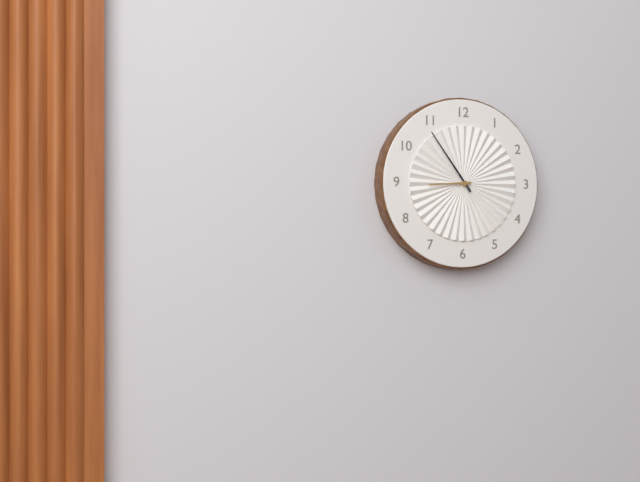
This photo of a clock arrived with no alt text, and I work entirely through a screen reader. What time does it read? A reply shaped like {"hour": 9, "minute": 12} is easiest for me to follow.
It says {"hour": 8, "minute": 54}
